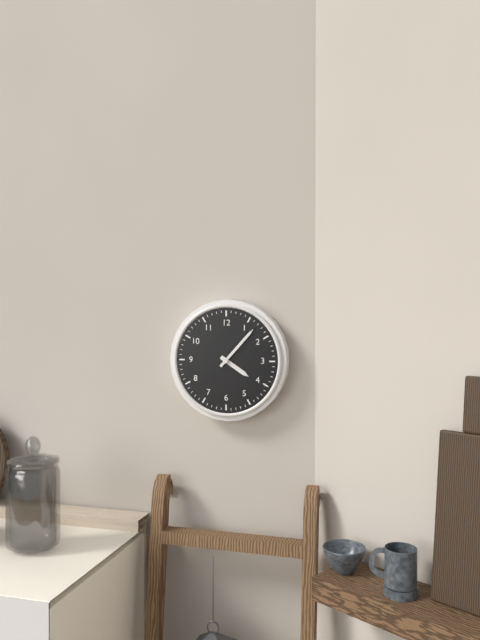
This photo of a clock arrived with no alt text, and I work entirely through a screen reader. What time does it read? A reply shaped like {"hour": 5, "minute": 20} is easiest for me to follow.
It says {"hour": 4, "minute": 7}
